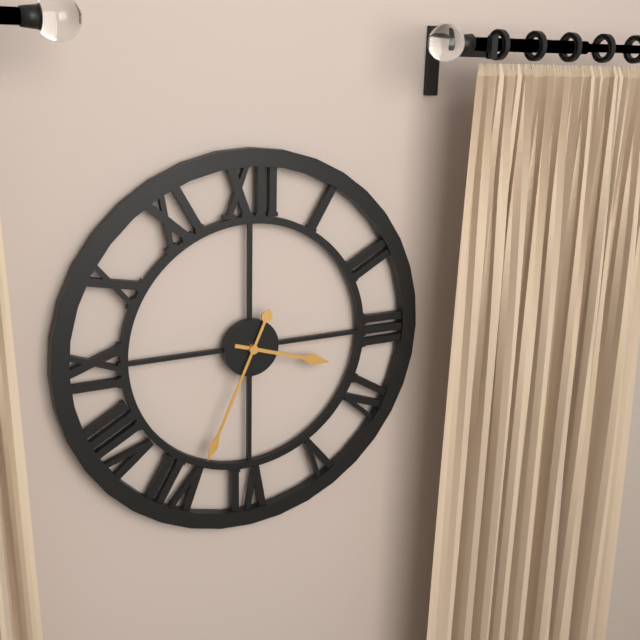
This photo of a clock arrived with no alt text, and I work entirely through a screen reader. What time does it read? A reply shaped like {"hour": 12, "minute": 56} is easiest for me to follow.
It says {"hour": 3, "minute": 34}
